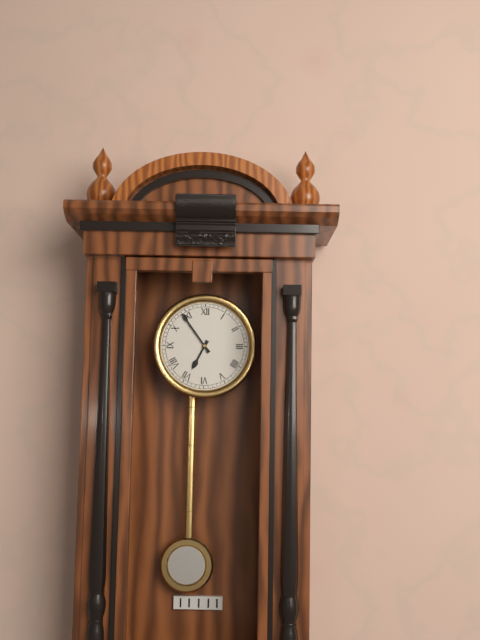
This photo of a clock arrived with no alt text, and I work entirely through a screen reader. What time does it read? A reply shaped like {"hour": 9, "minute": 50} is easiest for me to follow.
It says {"hour": 6, "minute": 54}
